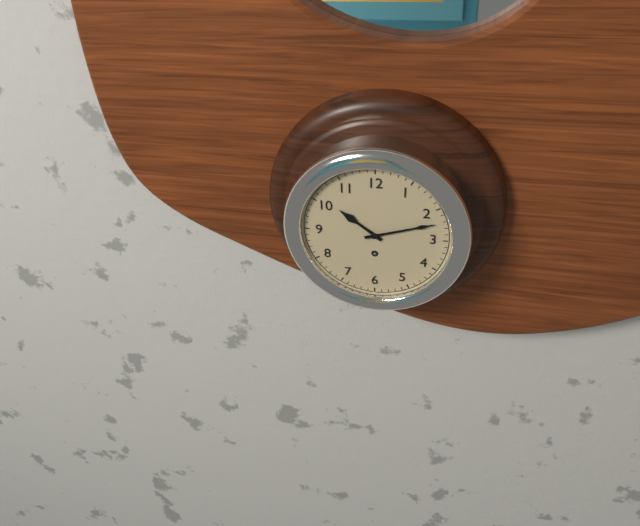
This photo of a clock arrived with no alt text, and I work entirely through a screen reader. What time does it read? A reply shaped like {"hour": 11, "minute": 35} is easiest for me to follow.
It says {"hour": 10, "minute": 12}
